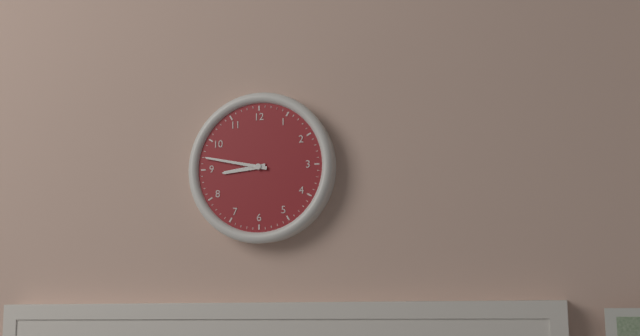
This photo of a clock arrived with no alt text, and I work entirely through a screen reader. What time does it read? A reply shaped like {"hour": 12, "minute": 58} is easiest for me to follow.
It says {"hour": 8, "minute": 47}
